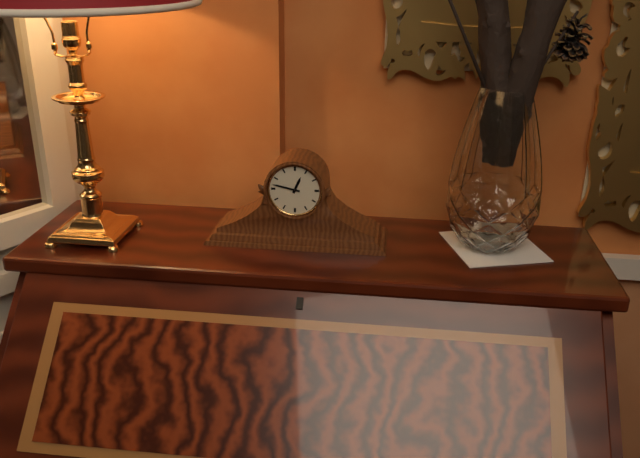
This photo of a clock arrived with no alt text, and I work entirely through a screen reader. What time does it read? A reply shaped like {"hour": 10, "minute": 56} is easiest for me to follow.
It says {"hour": 12, "minute": 47}
